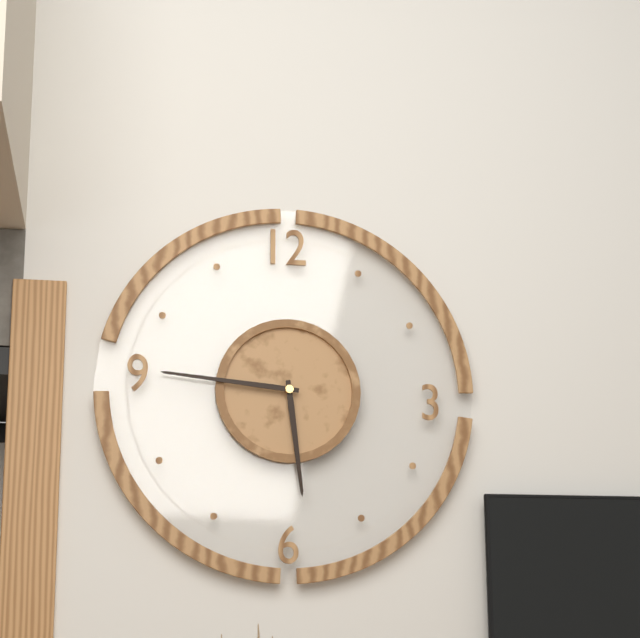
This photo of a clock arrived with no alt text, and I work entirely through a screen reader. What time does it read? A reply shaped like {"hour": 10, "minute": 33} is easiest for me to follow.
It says {"hour": 5, "minute": 46}
